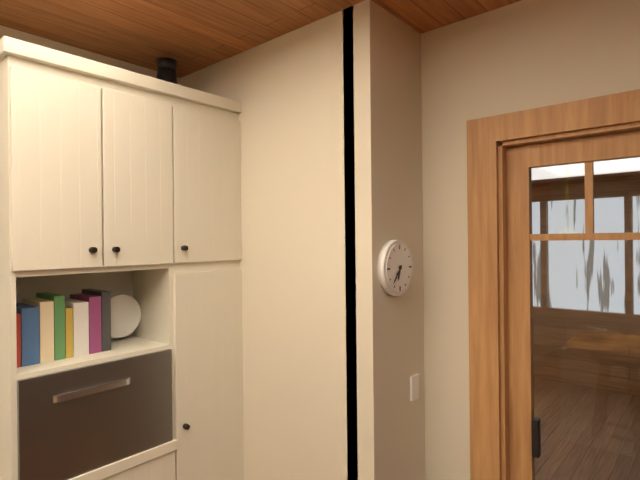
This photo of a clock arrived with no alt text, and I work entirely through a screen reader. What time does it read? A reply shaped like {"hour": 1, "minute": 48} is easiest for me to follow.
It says {"hour": 6, "minute": 37}
